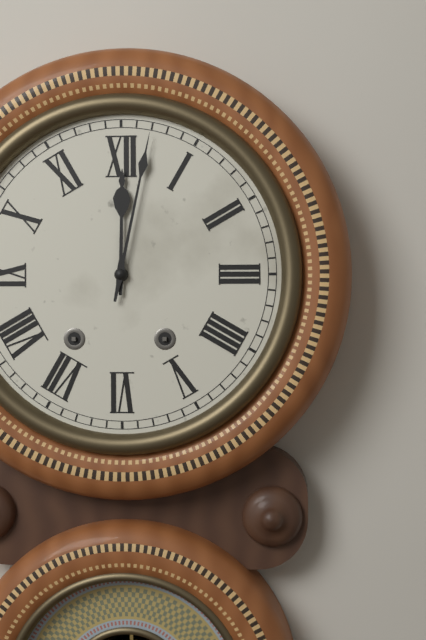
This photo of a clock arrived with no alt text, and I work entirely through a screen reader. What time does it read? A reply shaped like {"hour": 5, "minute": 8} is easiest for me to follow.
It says {"hour": 12, "minute": 2}
